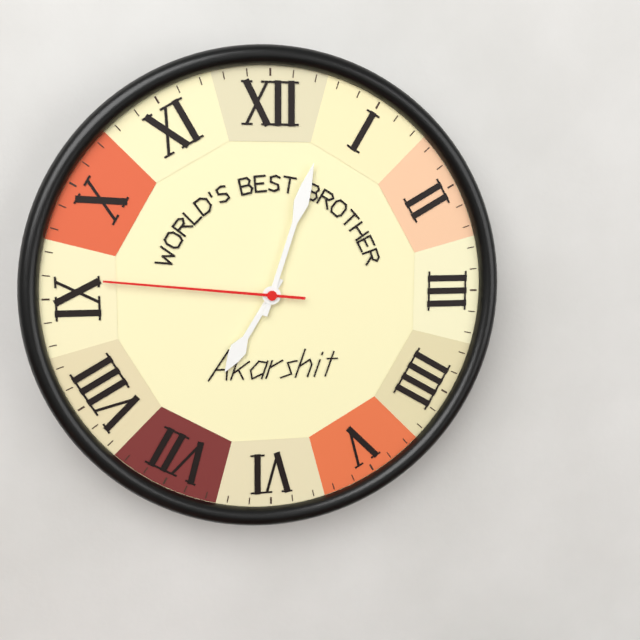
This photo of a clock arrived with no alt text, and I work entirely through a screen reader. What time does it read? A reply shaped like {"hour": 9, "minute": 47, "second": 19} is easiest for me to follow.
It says {"hour": 7, "minute": 3, "second": 46}
